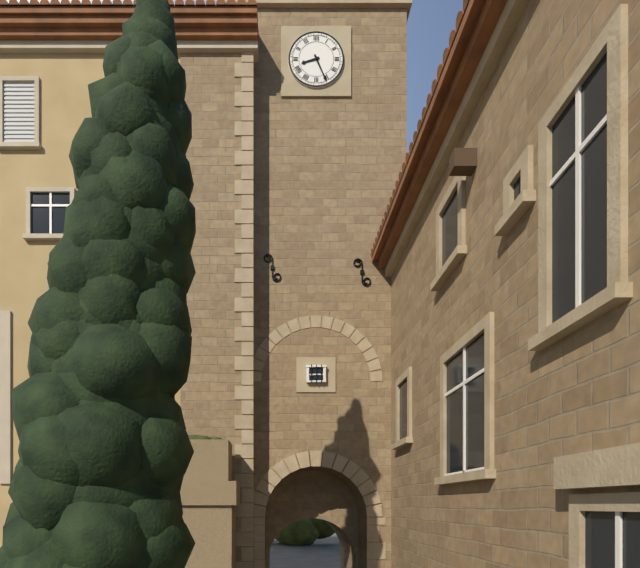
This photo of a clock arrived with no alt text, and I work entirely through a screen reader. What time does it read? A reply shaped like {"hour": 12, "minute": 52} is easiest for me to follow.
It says {"hour": 8, "minute": 26}
